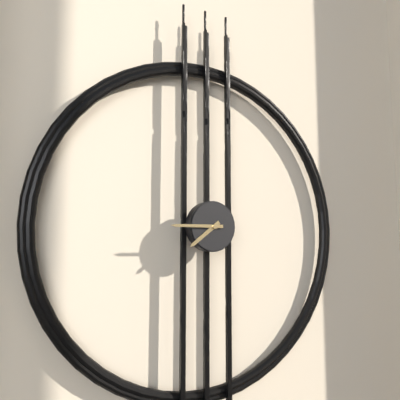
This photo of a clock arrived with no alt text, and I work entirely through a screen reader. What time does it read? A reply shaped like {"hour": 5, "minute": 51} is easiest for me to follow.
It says {"hour": 7, "minute": 45}
